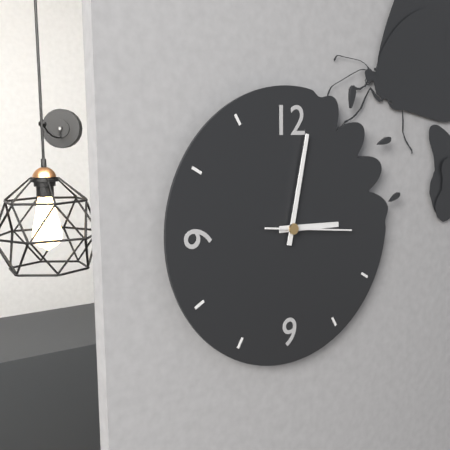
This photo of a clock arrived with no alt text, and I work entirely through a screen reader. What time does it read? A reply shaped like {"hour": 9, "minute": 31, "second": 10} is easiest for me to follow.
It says {"hour": 3, "minute": 2, "second": 16}
